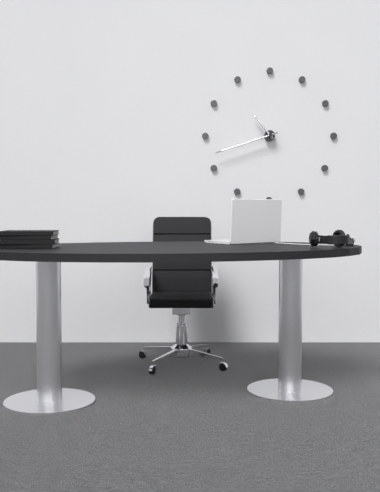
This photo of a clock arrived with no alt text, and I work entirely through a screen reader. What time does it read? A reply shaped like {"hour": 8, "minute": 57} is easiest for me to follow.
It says {"hour": 10, "minute": 42}
